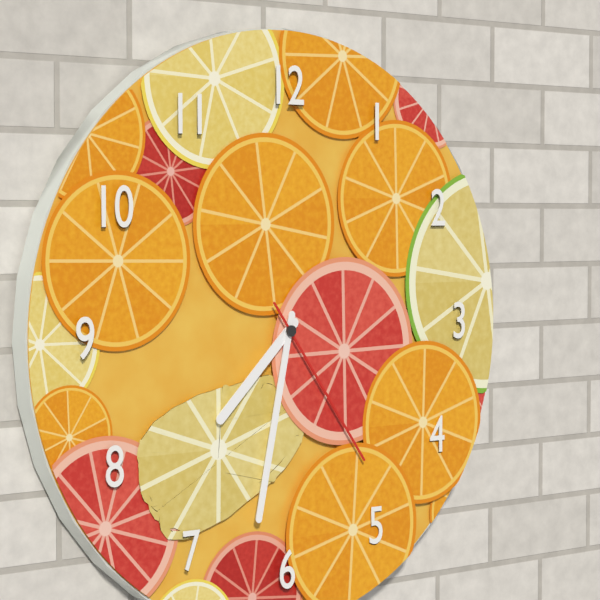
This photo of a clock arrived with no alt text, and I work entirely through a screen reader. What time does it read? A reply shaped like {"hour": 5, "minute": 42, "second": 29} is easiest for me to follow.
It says {"hour": 7, "minute": 32, "second": 24}
